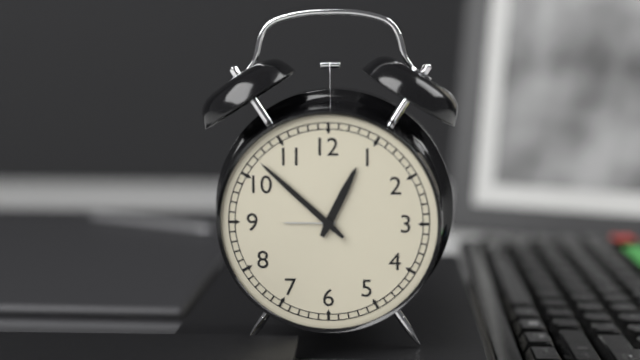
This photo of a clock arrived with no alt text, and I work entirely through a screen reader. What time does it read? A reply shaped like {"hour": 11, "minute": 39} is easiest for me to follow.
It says {"hour": 12, "minute": 52}
